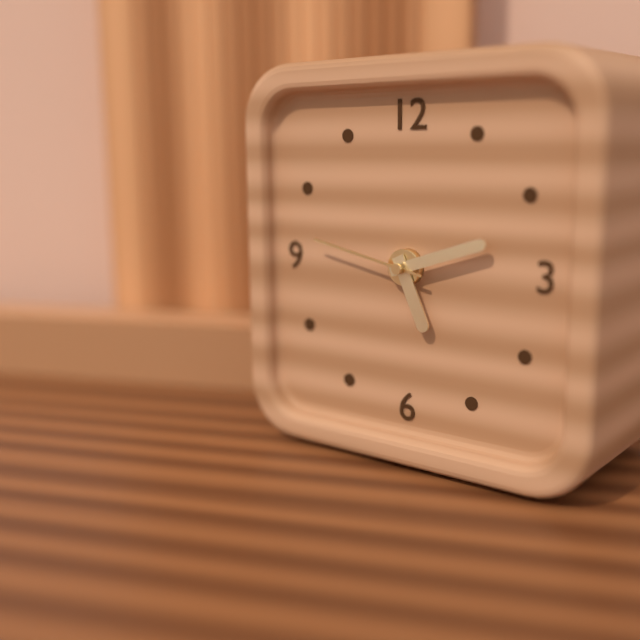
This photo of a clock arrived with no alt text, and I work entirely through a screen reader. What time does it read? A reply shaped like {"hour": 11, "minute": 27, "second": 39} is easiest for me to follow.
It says {"hour": 5, "minute": 12, "second": 47}
